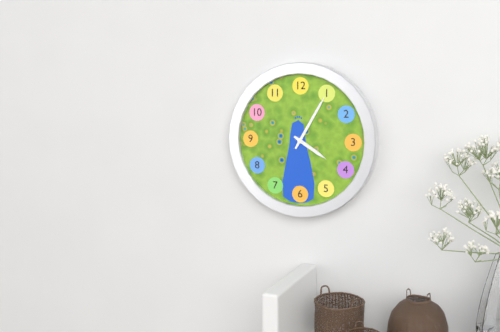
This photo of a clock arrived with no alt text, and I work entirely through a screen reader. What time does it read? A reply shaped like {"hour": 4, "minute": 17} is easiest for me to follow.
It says {"hour": 4, "minute": 5}
